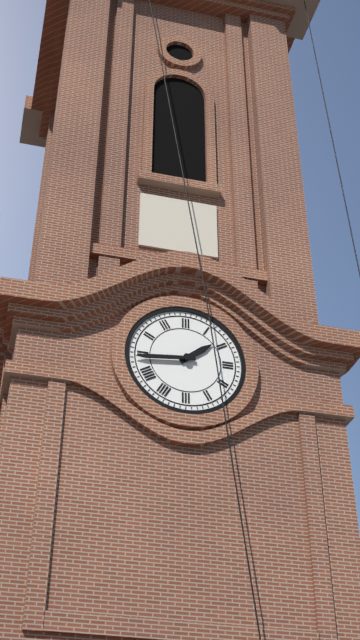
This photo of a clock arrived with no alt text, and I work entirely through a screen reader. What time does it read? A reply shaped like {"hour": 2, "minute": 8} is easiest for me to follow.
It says {"hour": 1, "minute": 44}
